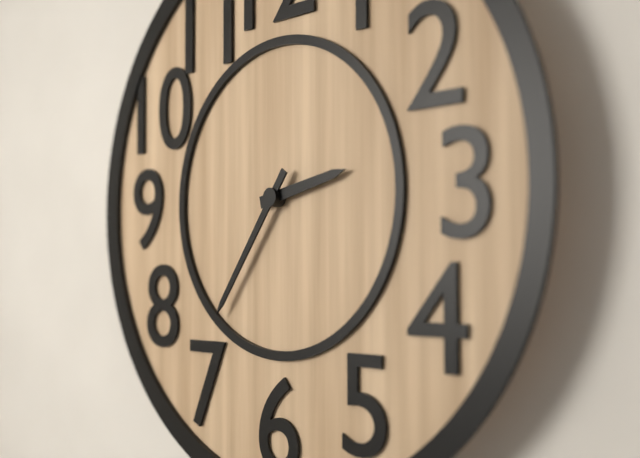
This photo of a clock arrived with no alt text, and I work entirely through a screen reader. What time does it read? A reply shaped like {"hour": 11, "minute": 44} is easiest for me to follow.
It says {"hour": 2, "minute": 36}
